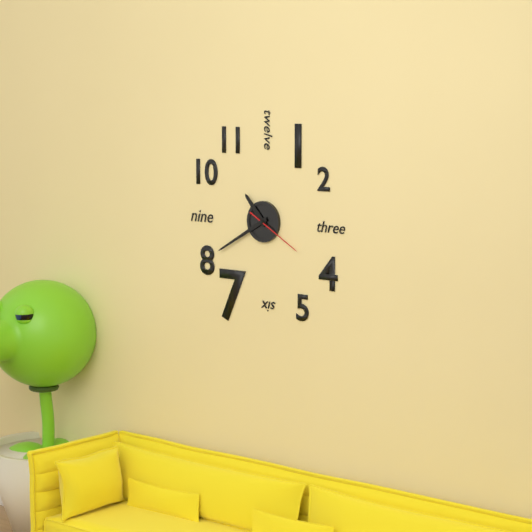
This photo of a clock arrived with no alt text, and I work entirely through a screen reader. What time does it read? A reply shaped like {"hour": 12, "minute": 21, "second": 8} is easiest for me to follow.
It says {"hour": 10, "minute": 40, "second": 20}
